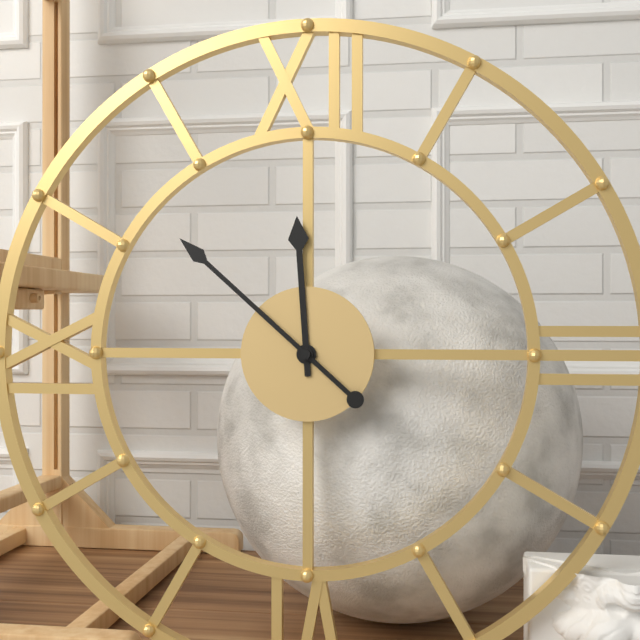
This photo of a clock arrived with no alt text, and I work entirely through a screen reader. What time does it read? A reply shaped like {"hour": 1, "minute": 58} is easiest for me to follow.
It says {"hour": 11, "minute": 52}
